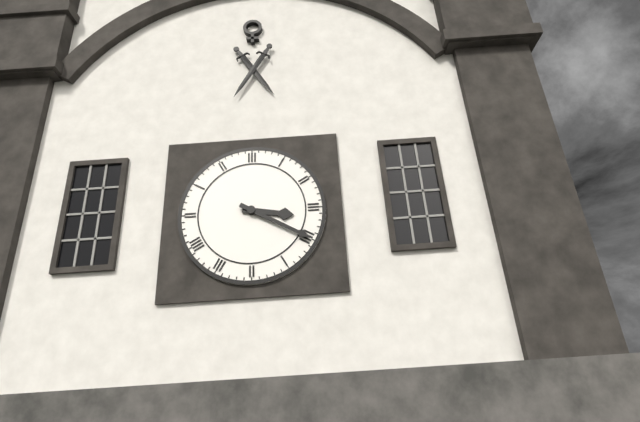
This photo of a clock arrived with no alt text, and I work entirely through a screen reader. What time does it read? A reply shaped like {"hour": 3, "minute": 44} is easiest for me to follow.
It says {"hour": 3, "minute": 20}
